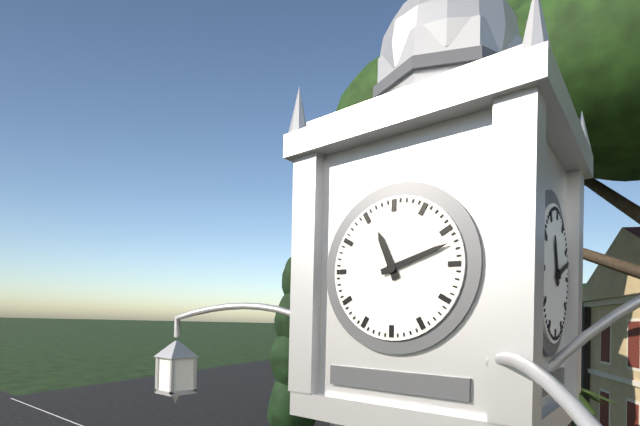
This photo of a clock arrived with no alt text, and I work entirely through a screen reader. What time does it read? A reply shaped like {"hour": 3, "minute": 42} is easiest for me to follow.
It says {"hour": 11, "minute": 12}
